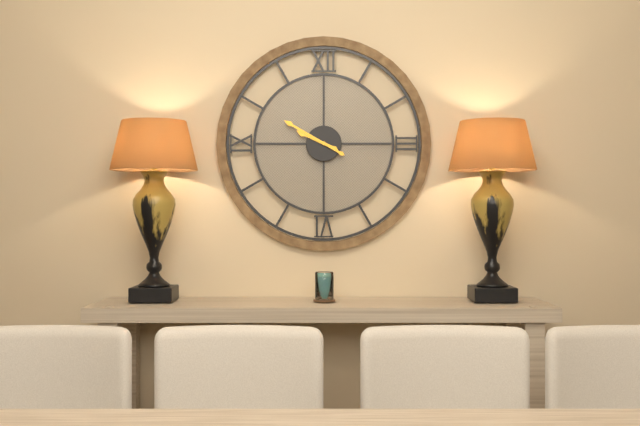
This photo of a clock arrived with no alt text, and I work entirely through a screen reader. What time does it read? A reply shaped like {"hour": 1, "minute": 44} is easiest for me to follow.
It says {"hour": 9, "minute": 50}
